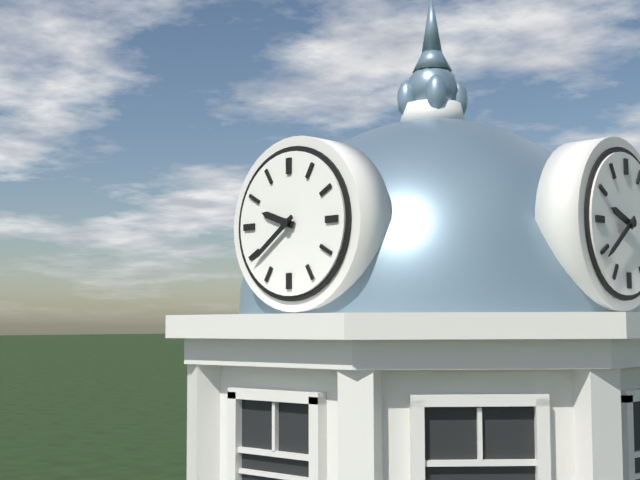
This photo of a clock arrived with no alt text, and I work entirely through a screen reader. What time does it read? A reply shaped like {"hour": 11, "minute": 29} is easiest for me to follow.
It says {"hour": 9, "minute": 39}
